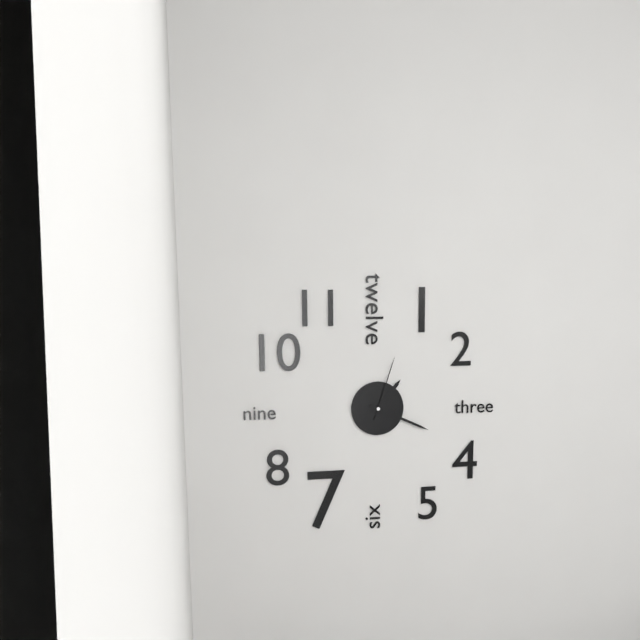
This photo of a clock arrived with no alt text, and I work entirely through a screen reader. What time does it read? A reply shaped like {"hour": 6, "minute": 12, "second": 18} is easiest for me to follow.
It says {"hour": 1, "minute": 19, "second": 3}
